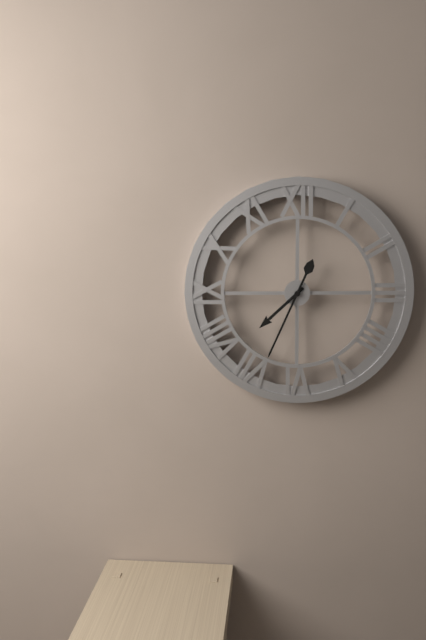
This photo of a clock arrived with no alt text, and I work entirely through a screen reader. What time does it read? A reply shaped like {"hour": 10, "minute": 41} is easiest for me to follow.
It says {"hour": 7, "minute": 34}
